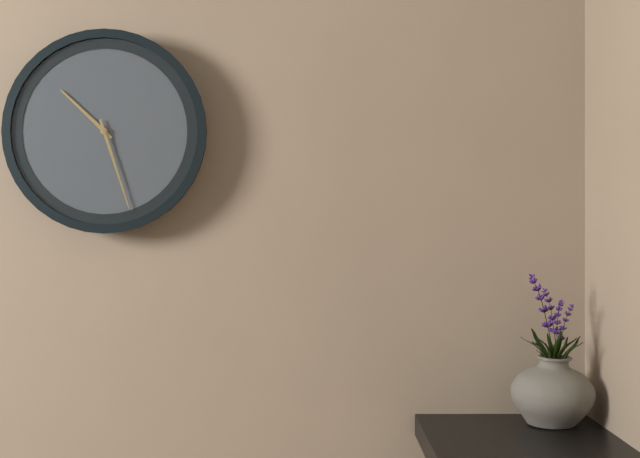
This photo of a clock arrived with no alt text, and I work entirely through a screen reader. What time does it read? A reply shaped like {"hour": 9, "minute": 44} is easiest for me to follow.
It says {"hour": 10, "minute": 27}
